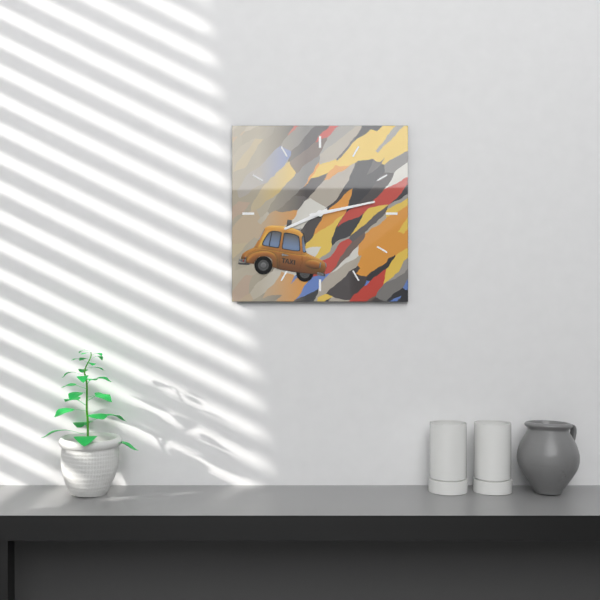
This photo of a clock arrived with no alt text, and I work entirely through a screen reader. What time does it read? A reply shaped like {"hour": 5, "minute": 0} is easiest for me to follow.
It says {"hour": 8, "minute": 13}
